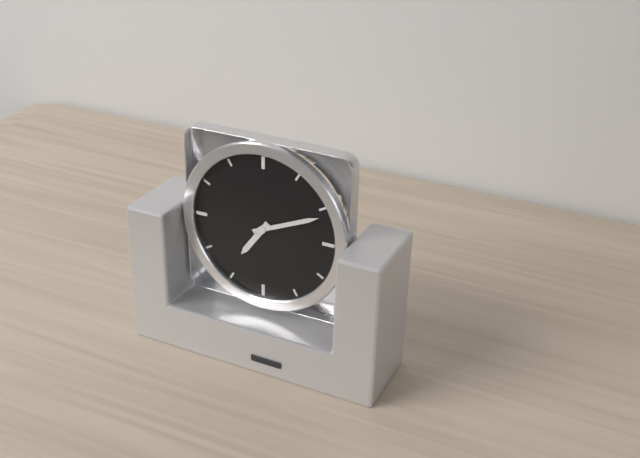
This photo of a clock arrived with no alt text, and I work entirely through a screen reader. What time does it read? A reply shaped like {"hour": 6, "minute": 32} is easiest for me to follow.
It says {"hour": 7, "minute": 11}
